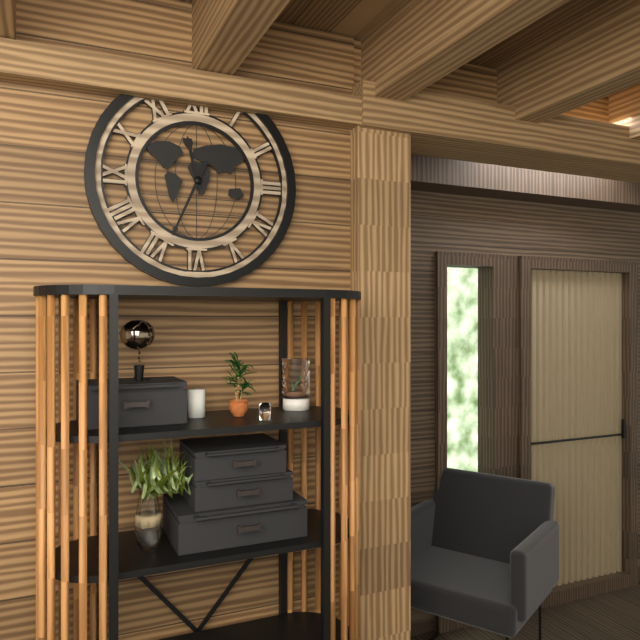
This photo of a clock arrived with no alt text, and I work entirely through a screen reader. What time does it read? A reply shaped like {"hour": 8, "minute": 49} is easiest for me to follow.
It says {"hour": 11, "minute": 34}
